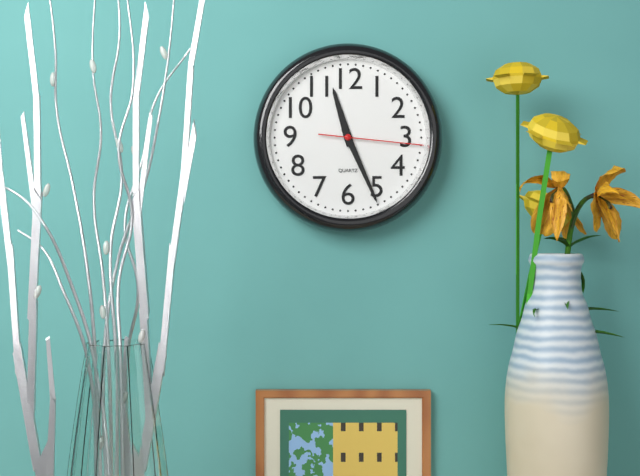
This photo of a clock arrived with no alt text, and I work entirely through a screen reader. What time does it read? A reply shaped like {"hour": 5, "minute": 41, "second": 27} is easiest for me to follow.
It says {"hour": 11, "minute": 26, "second": 16}
